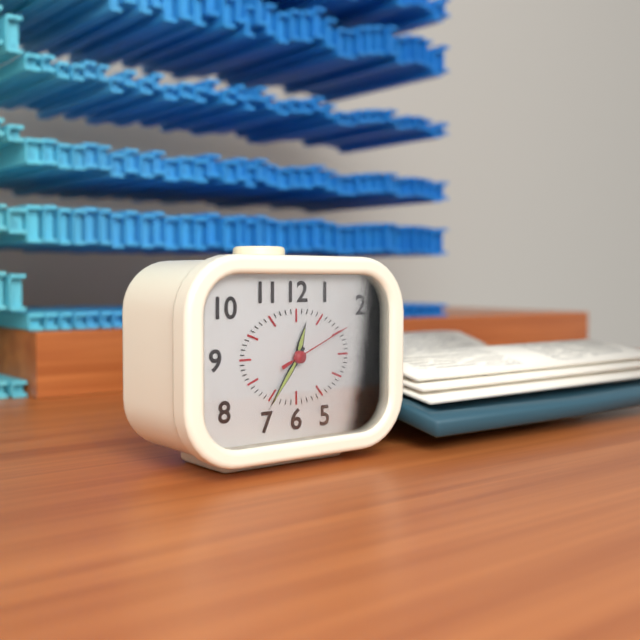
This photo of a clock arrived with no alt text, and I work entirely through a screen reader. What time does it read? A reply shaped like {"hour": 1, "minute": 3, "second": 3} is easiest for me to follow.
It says {"hour": 12, "minute": 36, "second": 11}
